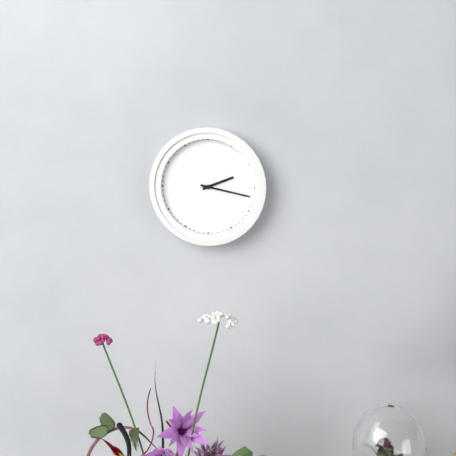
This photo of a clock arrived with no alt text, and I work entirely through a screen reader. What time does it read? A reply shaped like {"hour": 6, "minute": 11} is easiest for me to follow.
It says {"hour": 2, "minute": 17}
